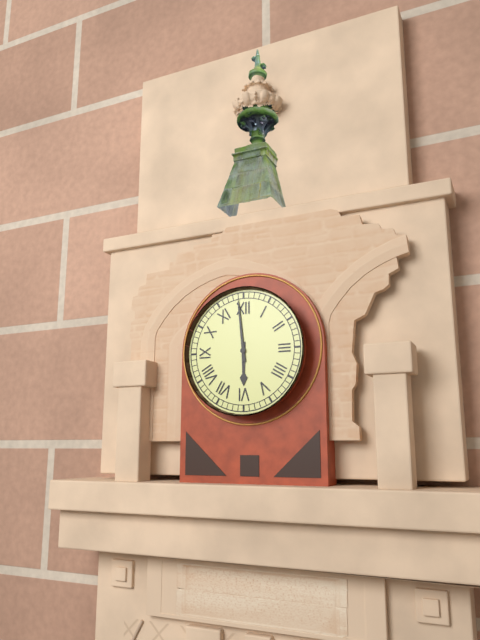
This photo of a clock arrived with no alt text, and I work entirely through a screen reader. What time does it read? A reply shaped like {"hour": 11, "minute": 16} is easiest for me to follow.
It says {"hour": 5, "minute": 59}
